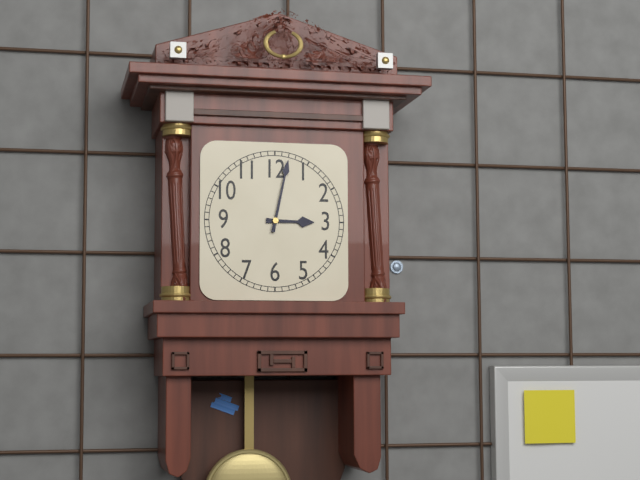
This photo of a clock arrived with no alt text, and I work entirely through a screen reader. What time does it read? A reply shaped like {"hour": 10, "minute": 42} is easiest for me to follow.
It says {"hour": 3, "minute": 2}
